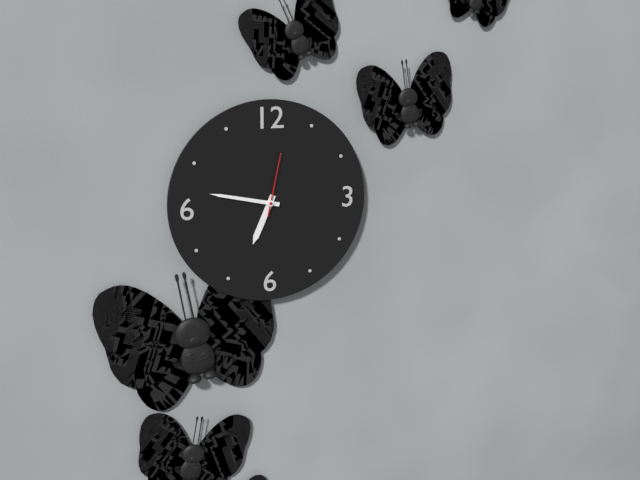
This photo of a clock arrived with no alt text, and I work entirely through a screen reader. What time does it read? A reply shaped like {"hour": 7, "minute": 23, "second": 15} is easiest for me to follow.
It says {"hour": 6, "minute": 47, "second": 2}
